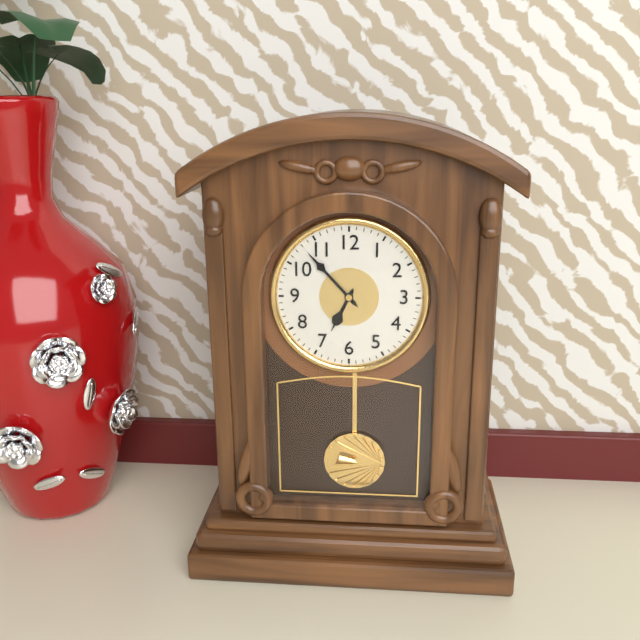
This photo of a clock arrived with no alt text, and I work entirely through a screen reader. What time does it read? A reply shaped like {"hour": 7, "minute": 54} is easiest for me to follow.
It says {"hour": 6, "minute": 53}
